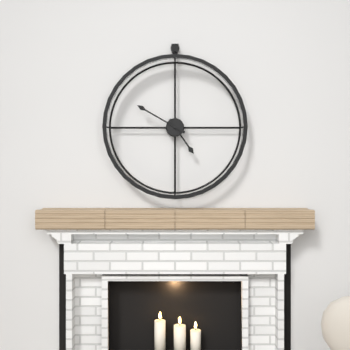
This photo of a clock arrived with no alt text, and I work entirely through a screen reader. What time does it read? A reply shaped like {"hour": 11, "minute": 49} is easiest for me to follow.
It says {"hour": 4, "minute": 50}
